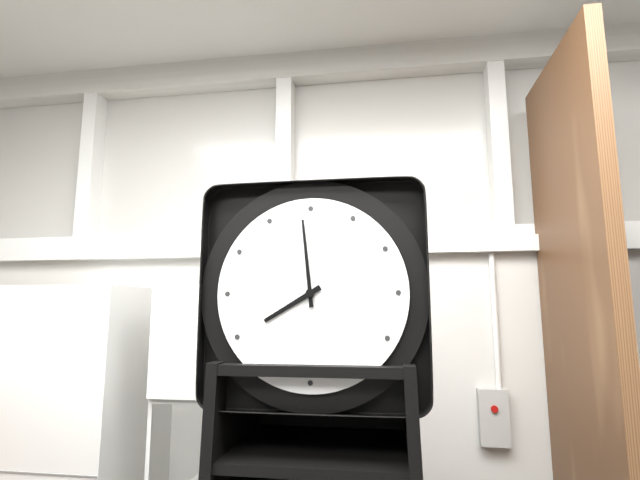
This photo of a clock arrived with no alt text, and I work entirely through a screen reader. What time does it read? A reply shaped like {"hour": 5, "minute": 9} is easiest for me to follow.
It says {"hour": 7, "minute": 59}
